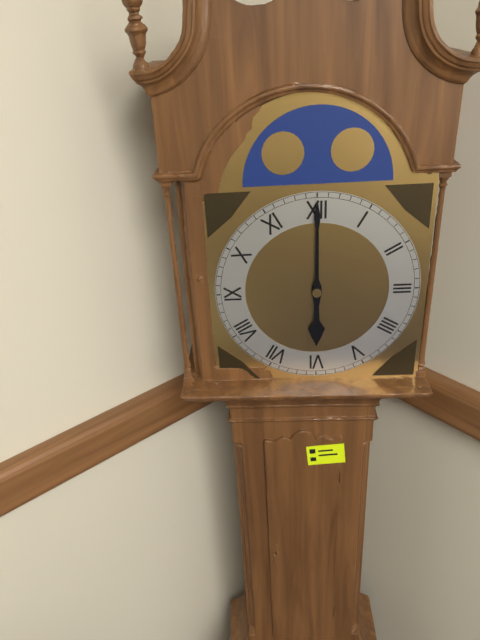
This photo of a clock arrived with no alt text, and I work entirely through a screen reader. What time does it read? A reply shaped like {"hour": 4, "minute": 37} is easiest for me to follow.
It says {"hour": 6, "minute": 0}
